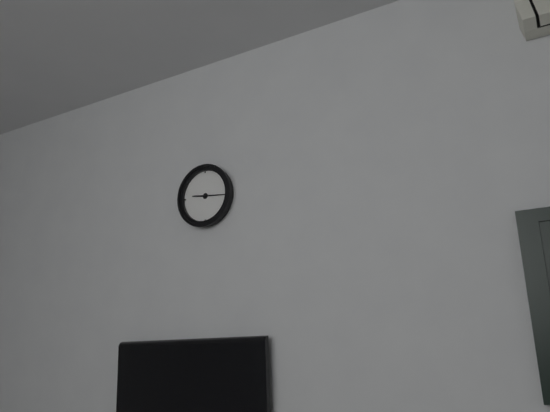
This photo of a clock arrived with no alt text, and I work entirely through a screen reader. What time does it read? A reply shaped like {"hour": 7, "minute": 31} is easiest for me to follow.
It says {"hour": 9, "minute": 16}
